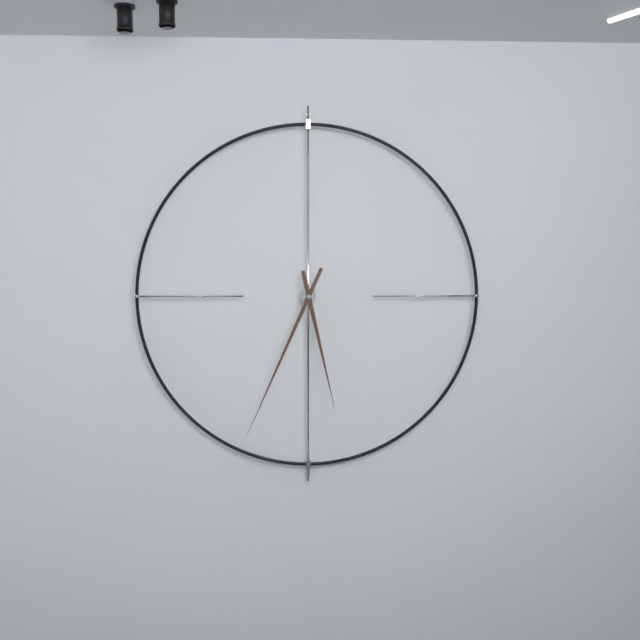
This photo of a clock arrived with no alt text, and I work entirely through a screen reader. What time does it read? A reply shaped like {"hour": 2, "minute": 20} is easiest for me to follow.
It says {"hour": 5, "minute": 34}
